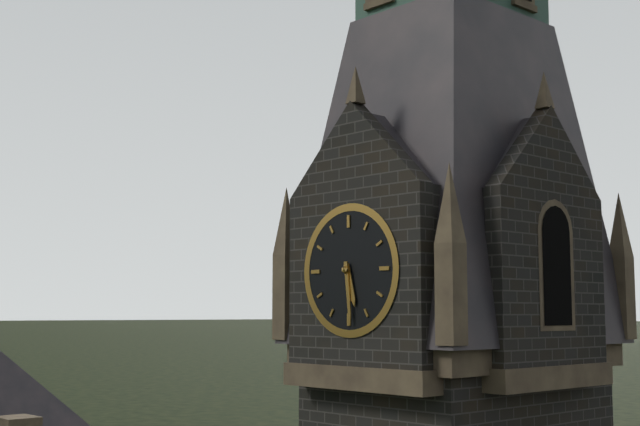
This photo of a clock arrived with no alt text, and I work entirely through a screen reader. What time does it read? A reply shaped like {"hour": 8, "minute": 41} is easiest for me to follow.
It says {"hour": 5, "minute": 29}
